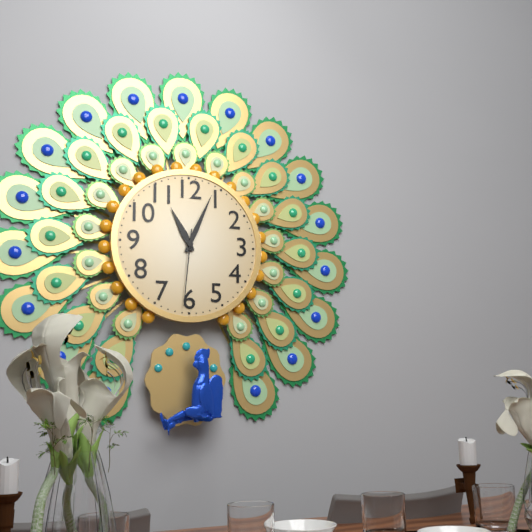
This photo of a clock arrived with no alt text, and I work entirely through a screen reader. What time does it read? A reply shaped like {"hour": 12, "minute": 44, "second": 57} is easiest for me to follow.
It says {"hour": 11, "minute": 4, "second": 31}
